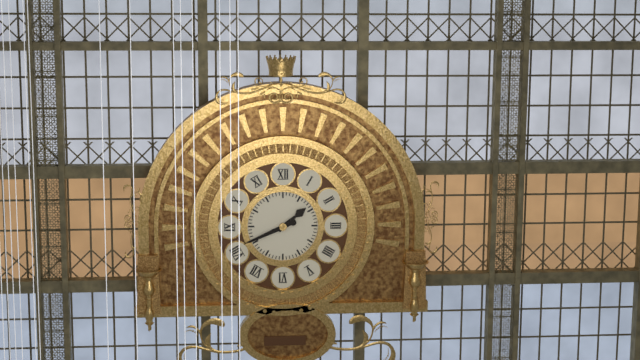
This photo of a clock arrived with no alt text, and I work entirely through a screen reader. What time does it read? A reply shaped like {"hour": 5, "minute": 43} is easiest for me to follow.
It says {"hour": 1, "minute": 41}
